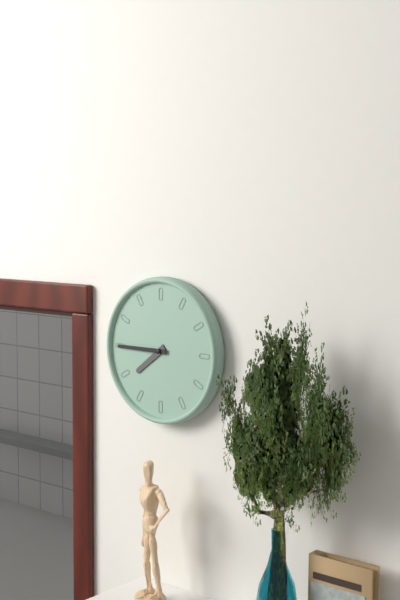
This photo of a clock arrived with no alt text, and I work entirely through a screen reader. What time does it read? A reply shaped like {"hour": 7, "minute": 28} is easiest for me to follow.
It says {"hour": 7, "minute": 45}
